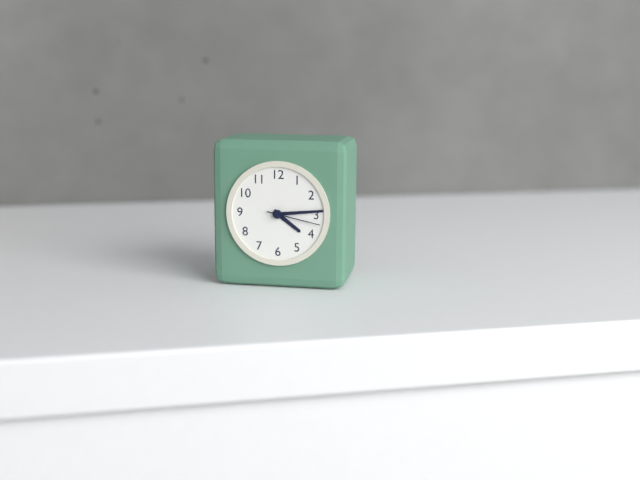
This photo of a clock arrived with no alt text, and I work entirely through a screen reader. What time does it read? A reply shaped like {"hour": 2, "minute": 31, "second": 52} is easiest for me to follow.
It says {"hour": 4, "minute": 14, "second": 17}
